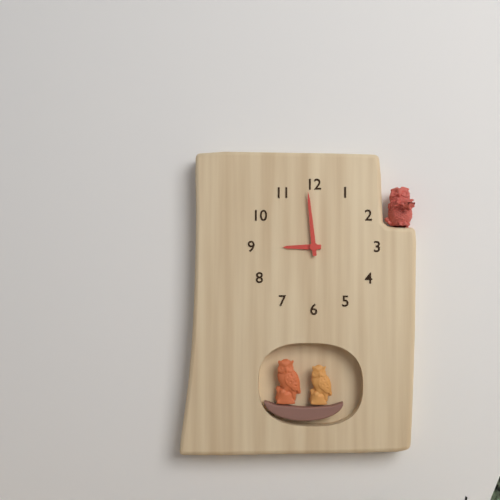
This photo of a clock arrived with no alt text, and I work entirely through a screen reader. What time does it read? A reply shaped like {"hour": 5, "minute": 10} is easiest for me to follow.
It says {"hour": 8, "minute": 59}
